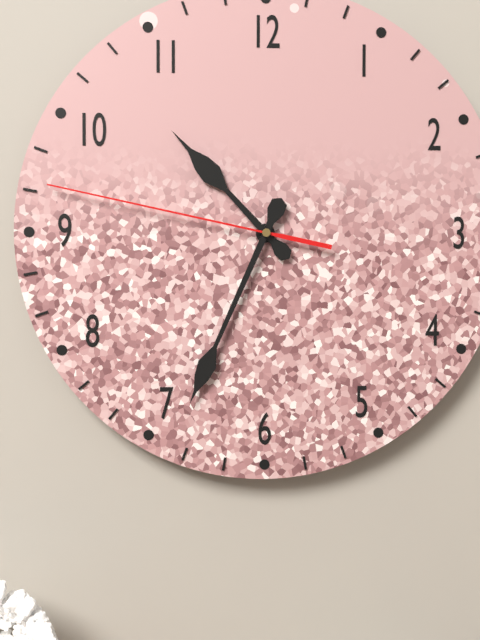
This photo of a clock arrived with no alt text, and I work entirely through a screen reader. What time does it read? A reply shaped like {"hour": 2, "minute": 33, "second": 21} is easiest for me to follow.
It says {"hour": 10, "minute": 34, "second": 47}
